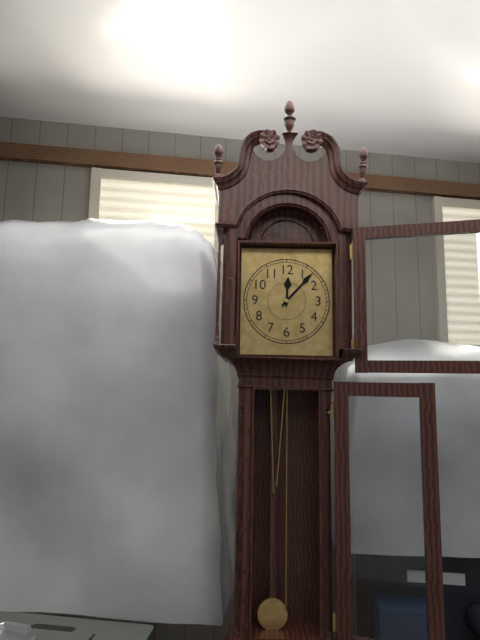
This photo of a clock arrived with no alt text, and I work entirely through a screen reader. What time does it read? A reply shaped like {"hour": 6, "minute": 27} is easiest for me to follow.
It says {"hour": 12, "minute": 7}
